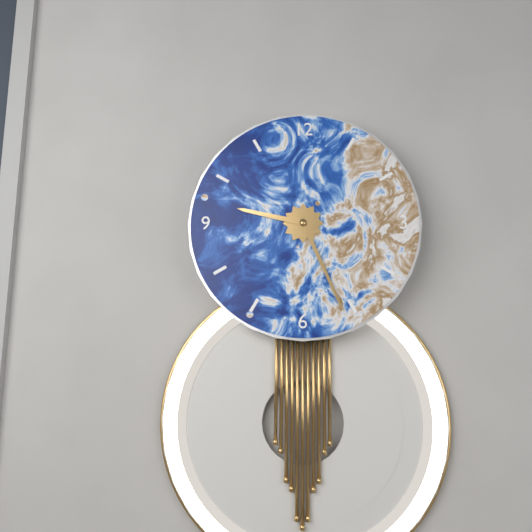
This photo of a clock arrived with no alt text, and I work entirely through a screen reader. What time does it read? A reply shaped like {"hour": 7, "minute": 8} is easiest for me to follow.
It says {"hour": 9, "minute": 26}
